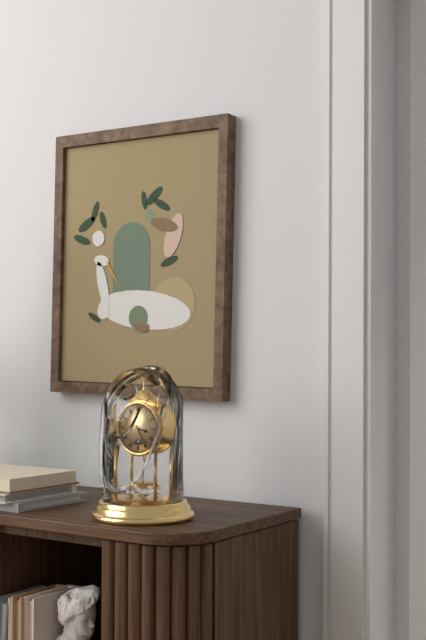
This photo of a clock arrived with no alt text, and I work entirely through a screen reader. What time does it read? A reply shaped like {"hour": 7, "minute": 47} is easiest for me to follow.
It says {"hour": 3, "minute": 25}
